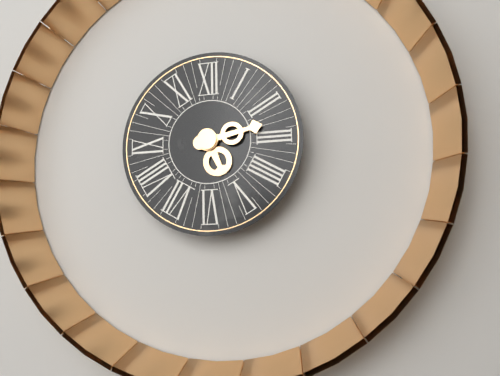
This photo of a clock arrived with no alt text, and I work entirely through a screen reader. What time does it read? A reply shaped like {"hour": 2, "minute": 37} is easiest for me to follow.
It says {"hour": 5, "minute": 13}
